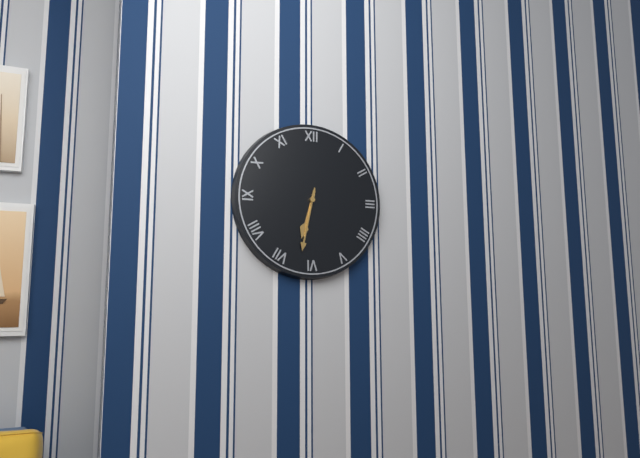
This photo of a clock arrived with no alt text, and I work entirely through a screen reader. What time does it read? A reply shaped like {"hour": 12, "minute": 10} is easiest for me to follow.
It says {"hour": 6, "minute": 32}
